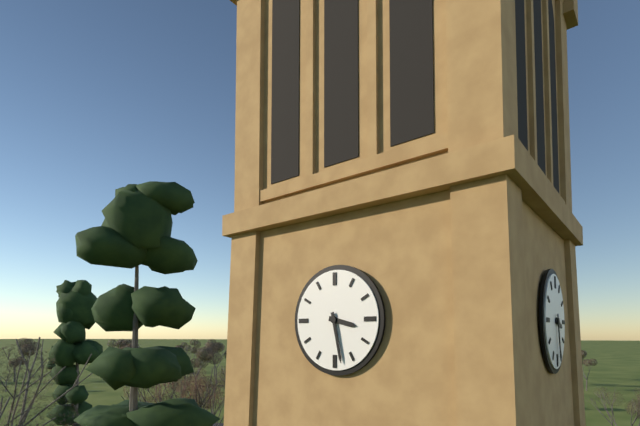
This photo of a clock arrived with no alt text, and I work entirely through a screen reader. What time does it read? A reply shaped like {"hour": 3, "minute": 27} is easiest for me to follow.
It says {"hour": 3, "minute": 28}
